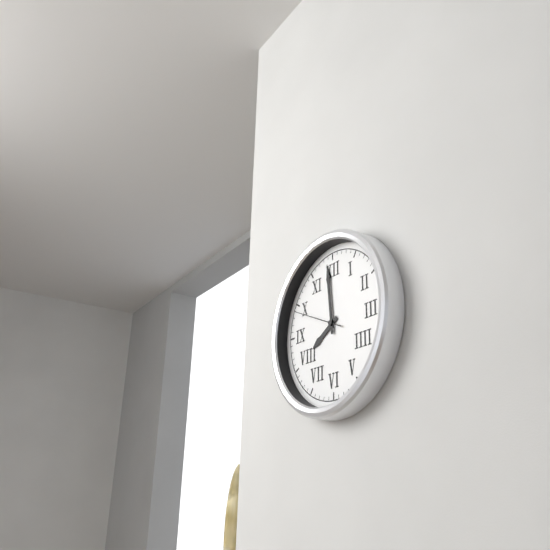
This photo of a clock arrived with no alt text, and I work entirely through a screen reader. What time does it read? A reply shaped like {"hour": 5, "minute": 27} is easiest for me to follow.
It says {"hour": 7, "minute": 59}
